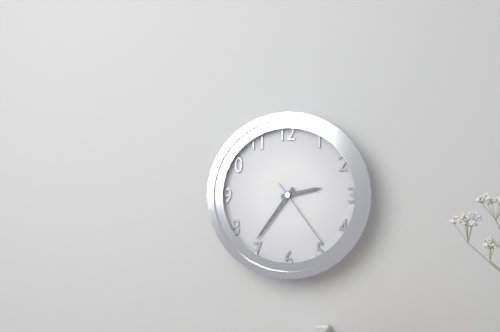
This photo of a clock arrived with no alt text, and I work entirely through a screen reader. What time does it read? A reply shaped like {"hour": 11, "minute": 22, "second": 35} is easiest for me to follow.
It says {"hour": 2, "minute": 36, "second": 24}
